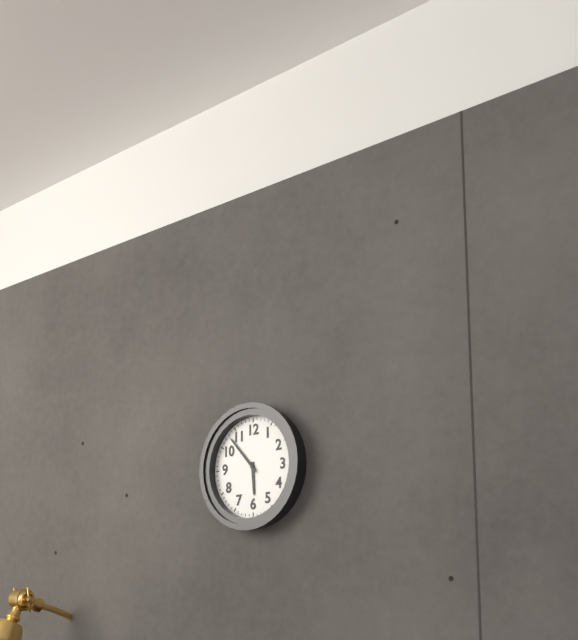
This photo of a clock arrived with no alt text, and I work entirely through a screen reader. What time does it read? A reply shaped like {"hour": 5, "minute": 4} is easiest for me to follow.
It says {"hour": 5, "minute": 53}
